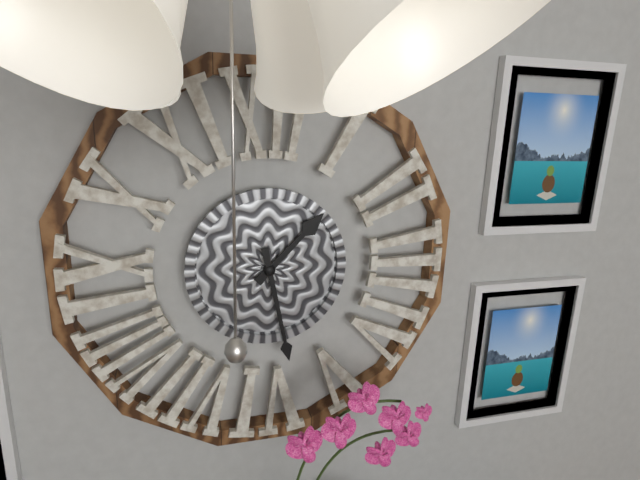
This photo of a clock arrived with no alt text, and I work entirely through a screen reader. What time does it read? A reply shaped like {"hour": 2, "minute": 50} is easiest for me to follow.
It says {"hour": 1, "minute": 28}
